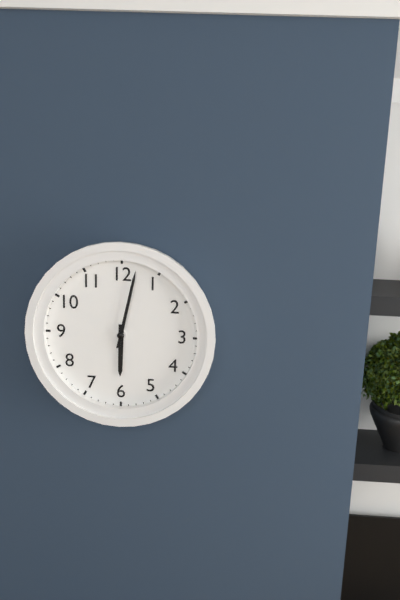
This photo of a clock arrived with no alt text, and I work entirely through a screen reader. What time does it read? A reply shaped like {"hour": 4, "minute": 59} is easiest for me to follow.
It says {"hour": 6, "minute": 2}
